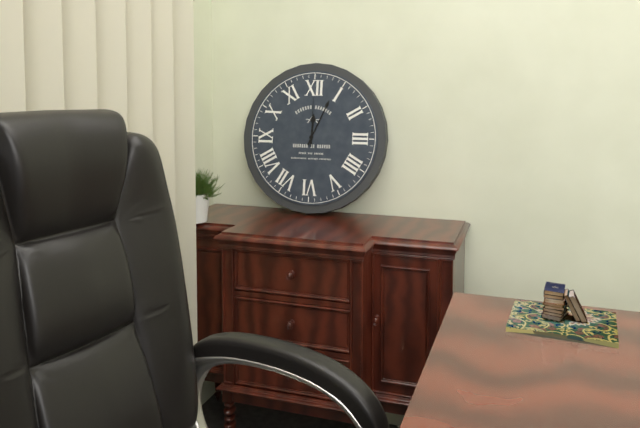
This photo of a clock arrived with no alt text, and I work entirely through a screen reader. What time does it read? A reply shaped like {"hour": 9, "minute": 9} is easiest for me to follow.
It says {"hour": 12, "minute": 4}
